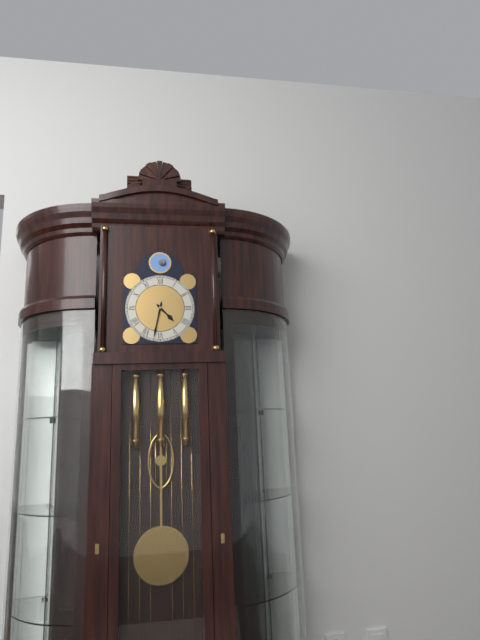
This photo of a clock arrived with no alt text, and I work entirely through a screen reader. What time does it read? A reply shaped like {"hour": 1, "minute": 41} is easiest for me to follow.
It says {"hour": 4, "minute": 32}
